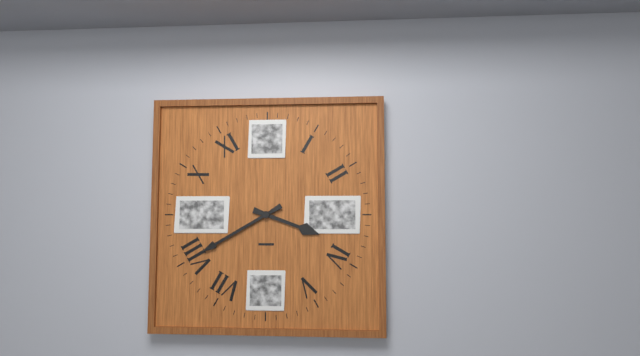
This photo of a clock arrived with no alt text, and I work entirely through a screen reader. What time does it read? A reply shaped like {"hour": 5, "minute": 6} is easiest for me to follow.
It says {"hour": 3, "minute": 40}
